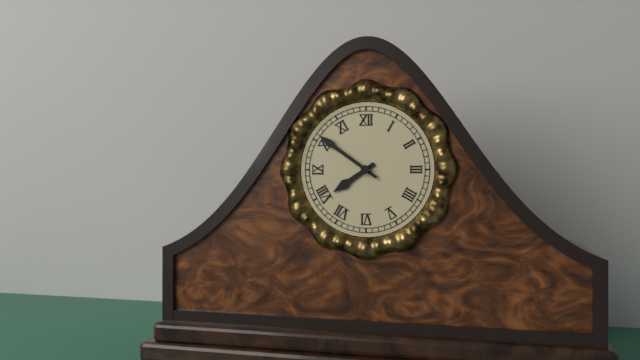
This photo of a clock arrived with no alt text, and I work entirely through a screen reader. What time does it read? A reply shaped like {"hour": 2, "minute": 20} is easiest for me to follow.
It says {"hour": 7, "minute": 51}
